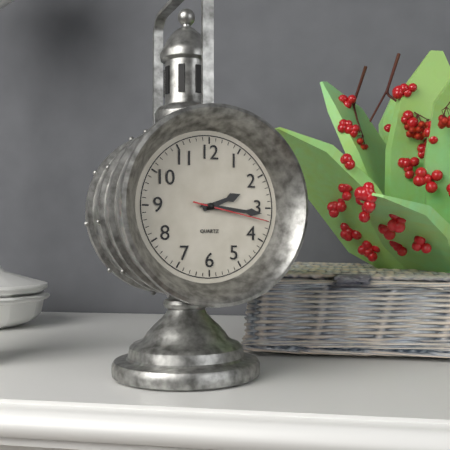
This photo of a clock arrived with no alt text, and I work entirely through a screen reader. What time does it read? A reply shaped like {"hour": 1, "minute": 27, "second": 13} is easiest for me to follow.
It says {"hour": 2, "minute": 16, "second": 17}
